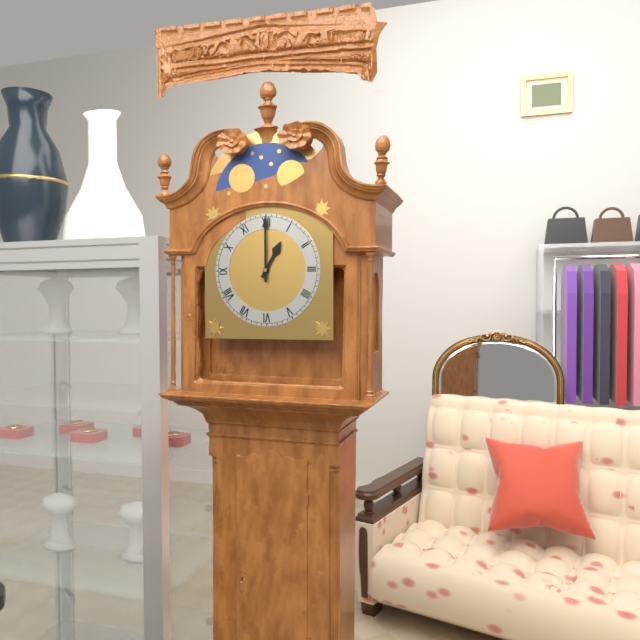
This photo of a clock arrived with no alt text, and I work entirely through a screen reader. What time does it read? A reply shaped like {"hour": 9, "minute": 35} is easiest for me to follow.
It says {"hour": 1, "minute": 0}
